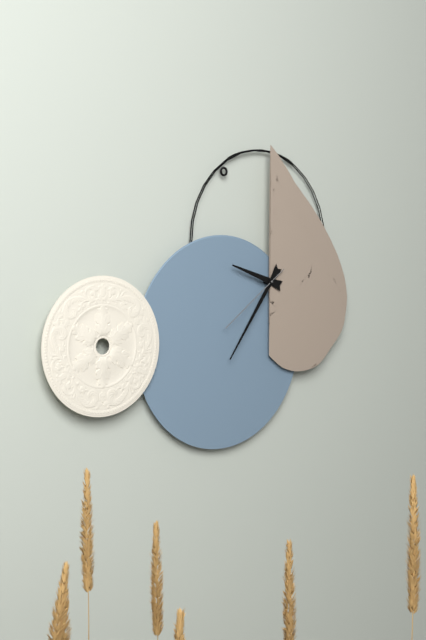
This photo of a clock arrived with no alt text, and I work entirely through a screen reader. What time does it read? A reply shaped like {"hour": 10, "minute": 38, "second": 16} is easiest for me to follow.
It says {"hour": 9, "minute": 36, "second": 39}
